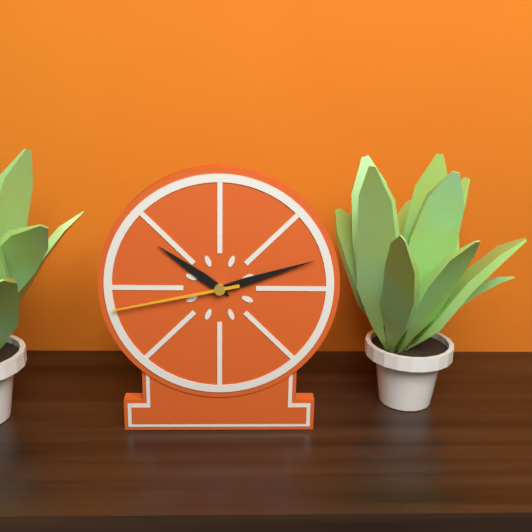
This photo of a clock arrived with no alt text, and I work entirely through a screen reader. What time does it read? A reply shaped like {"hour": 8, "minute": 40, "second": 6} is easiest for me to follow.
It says {"hour": 10, "minute": 12, "second": 43}
